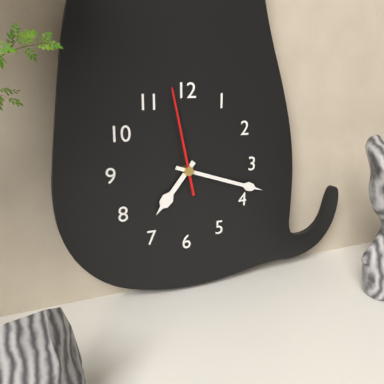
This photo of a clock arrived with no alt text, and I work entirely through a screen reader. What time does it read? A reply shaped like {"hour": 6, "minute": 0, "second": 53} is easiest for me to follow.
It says {"hour": 7, "minute": 18, "second": 58}
